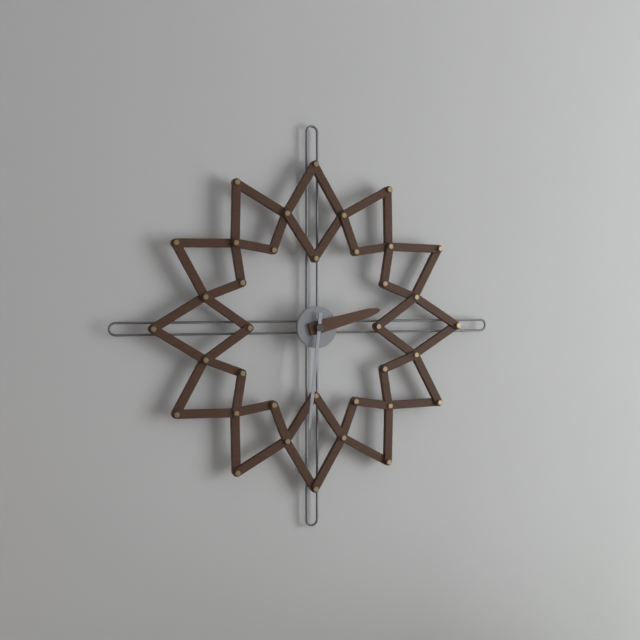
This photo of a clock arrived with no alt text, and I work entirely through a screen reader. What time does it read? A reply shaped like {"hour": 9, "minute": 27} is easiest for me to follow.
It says {"hour": 2, "minute": 31}
